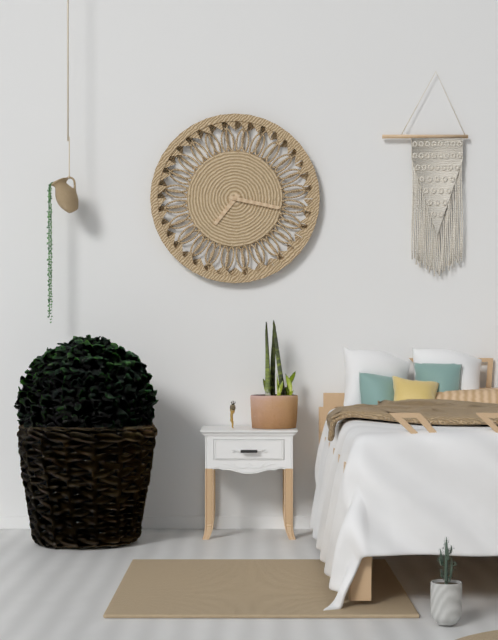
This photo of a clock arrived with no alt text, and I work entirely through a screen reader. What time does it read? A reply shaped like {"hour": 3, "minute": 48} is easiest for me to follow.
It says {"hour": 7, "minute": 17}
